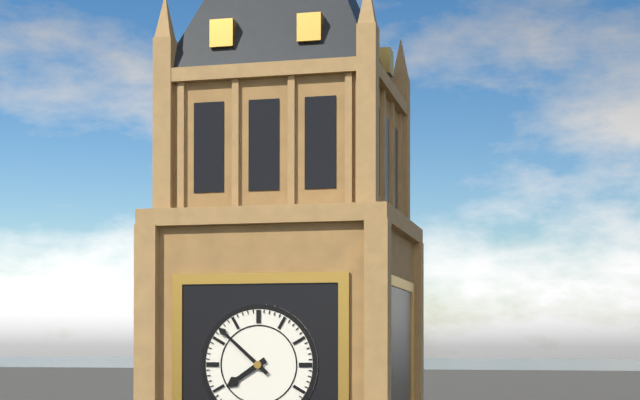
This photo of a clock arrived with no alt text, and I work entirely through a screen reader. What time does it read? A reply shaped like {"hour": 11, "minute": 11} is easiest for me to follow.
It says {"hour": 7, "minute": 52}
